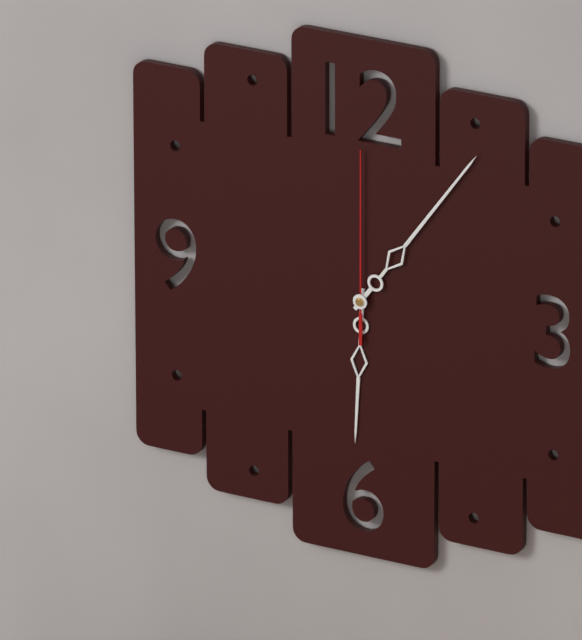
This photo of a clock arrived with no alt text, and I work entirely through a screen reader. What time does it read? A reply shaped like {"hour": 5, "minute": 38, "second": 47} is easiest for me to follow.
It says {"hour": 6, "minute": 6, "second": 0}
